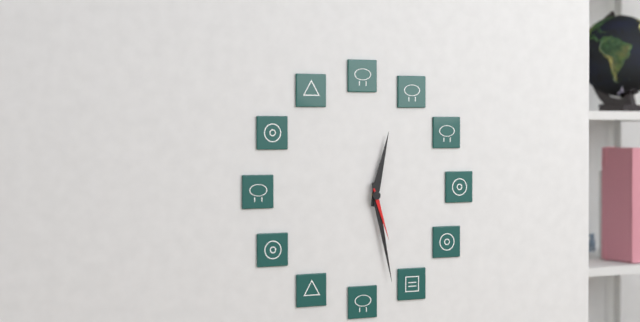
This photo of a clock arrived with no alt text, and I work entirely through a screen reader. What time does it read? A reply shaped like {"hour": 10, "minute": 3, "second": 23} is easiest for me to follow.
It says {"hour": 12, "minute": 28, "second": 27}
